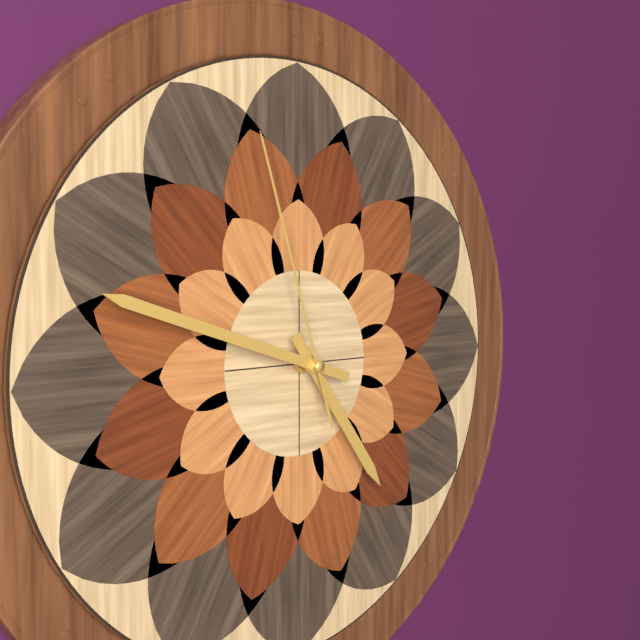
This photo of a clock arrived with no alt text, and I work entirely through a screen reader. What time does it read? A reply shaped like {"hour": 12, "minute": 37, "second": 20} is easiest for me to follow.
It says {"hour": 4, "minute": 48, "second": 57}
